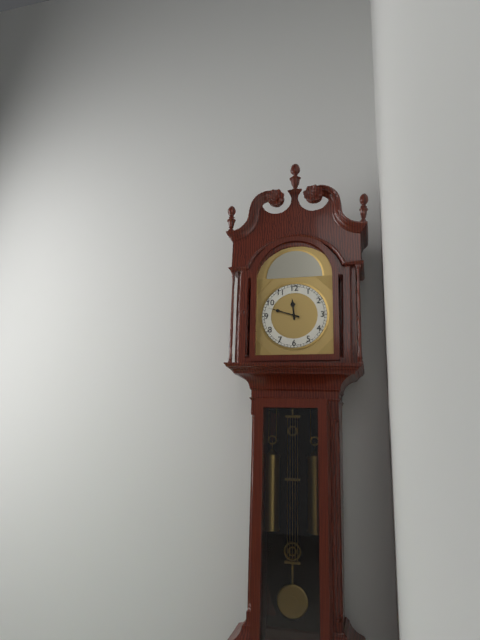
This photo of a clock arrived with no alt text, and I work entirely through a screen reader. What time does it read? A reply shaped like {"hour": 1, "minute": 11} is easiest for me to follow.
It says {"hour": 11, "minute": 48}
